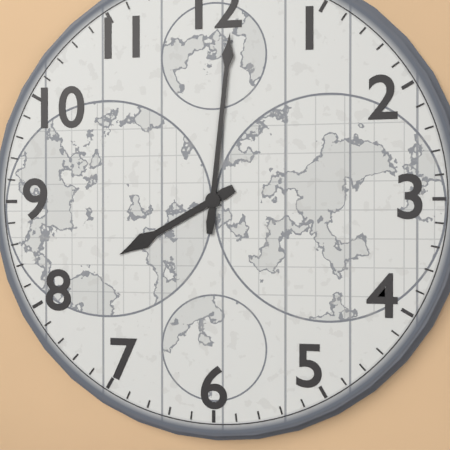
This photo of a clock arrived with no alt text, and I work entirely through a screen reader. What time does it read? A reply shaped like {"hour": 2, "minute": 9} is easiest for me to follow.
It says {"hour": 8, "minute": 1}
